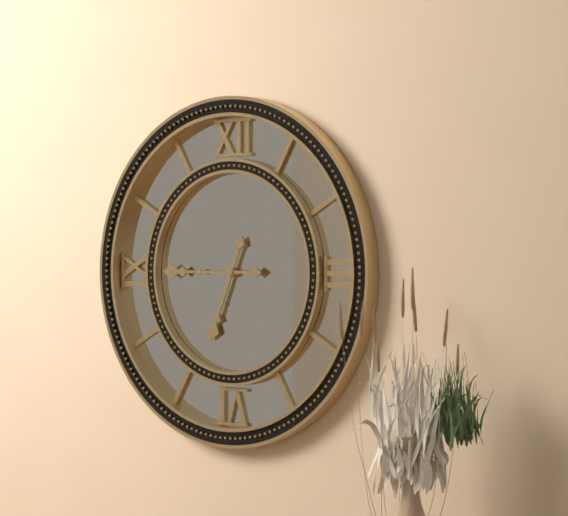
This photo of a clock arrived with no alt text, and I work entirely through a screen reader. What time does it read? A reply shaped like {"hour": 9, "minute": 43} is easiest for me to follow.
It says {"hour": 6, "minute": 45}
